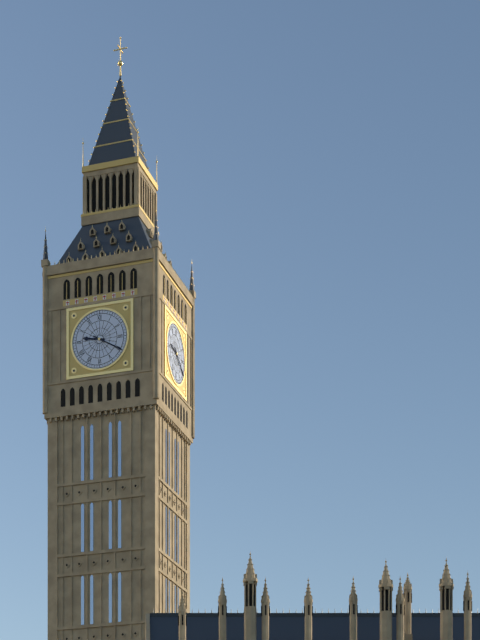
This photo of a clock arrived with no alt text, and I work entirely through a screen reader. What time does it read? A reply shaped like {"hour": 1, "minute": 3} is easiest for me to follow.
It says {"hour": 9, "minute": 20}
